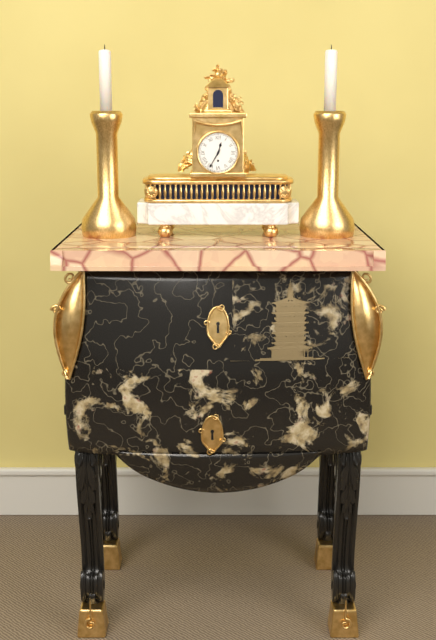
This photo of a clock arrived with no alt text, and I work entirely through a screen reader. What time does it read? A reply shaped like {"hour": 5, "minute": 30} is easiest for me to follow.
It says {"hour": 12, "minute": 35}
